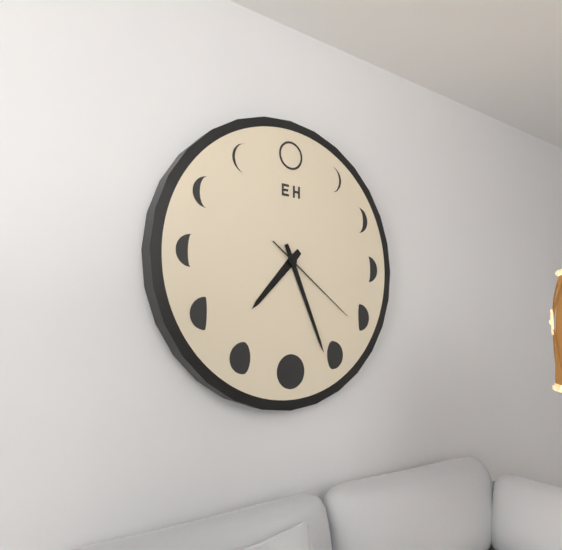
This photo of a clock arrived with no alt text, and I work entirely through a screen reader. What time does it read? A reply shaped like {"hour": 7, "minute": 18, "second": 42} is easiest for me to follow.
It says {"hour": 7, "minute": 26, "second": 21}
